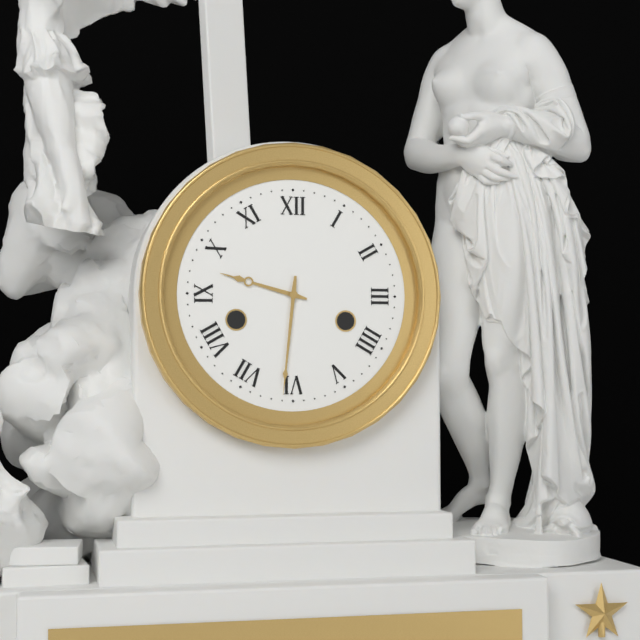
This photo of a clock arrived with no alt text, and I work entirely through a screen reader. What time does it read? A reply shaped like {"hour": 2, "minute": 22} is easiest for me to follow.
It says {"hour": 9, "minute": 31}
